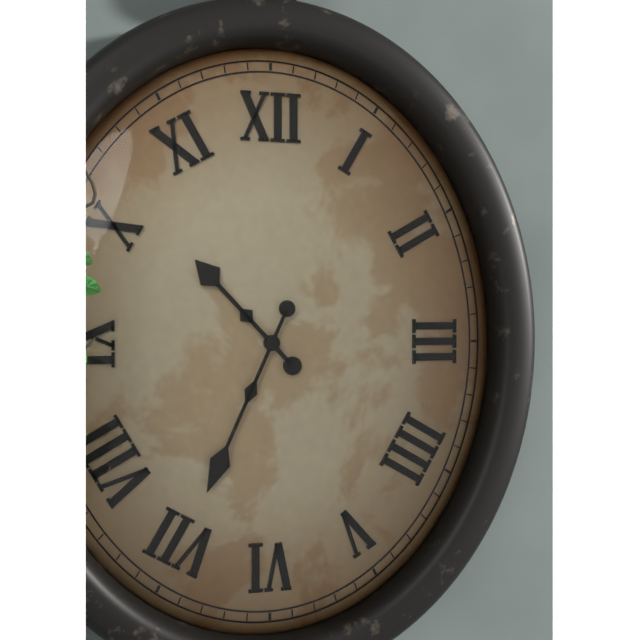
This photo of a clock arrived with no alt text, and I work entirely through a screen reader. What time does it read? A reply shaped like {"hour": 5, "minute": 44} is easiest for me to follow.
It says {"hour": 10, "minute": 34}
